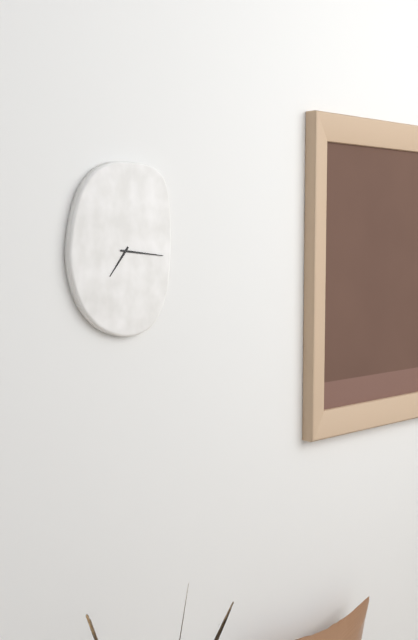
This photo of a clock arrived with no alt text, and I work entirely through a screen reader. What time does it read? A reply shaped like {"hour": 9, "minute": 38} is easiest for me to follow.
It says {"hour": 7, "minute": 16}
